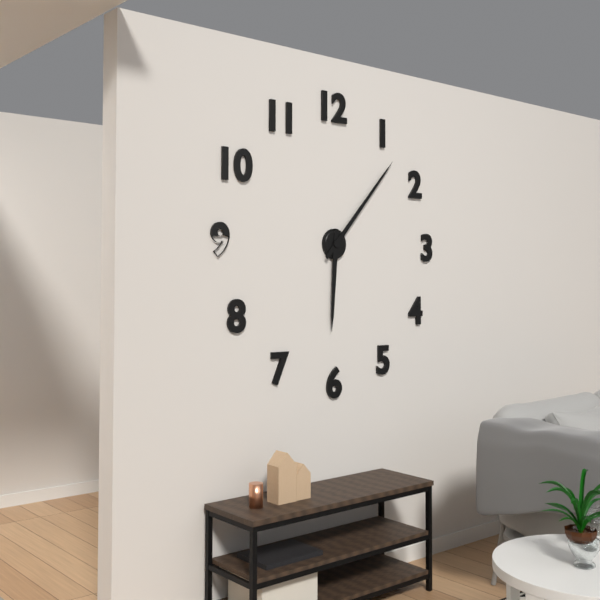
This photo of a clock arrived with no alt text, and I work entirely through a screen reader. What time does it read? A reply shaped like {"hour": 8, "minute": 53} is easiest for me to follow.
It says {"hour": 6, "minute": 7}
